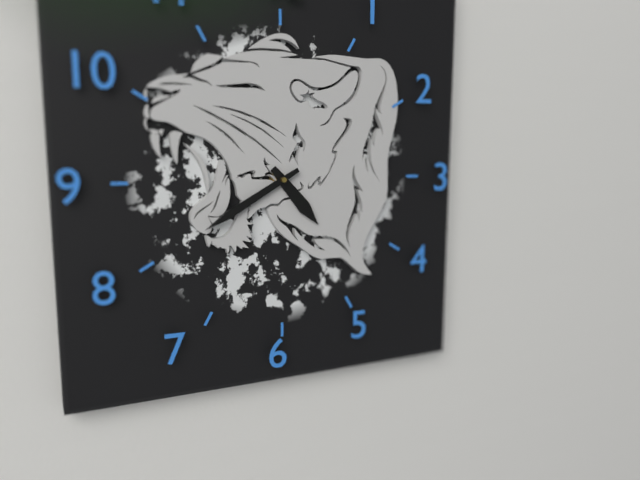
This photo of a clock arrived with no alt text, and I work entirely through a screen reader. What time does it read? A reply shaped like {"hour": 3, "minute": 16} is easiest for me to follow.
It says {"hour": 4, "minute": 40}
